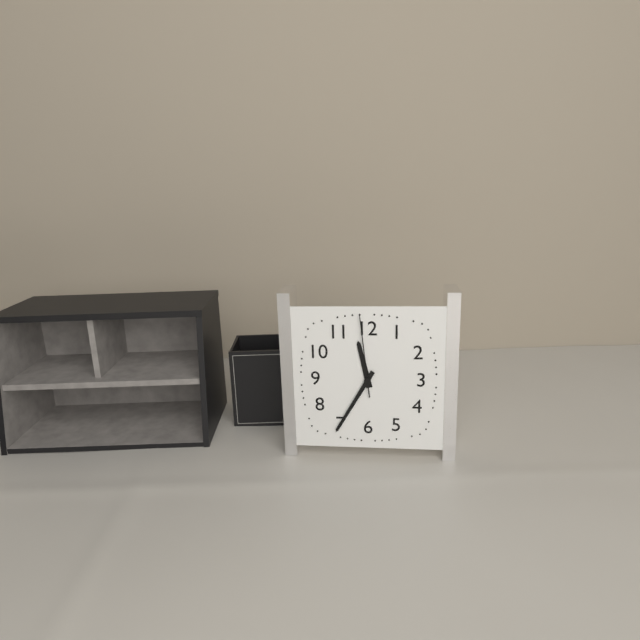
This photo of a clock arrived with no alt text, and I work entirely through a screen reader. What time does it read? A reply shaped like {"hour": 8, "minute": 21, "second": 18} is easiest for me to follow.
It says {"hour": 11, "minute": 35, "second": 59}
